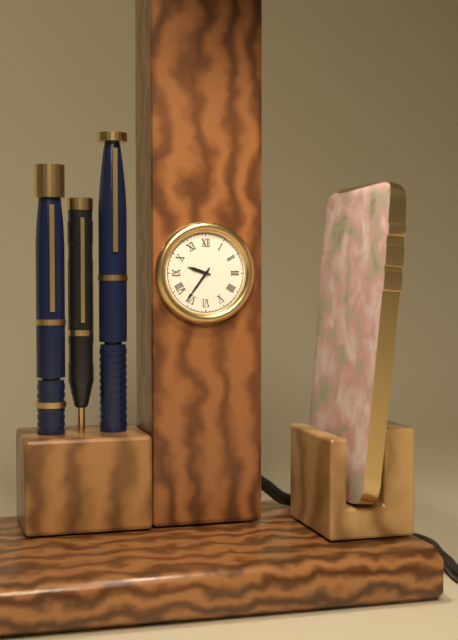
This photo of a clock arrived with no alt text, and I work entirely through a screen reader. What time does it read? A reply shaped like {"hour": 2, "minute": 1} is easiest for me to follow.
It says {"hour": 9, "minute": 36}
